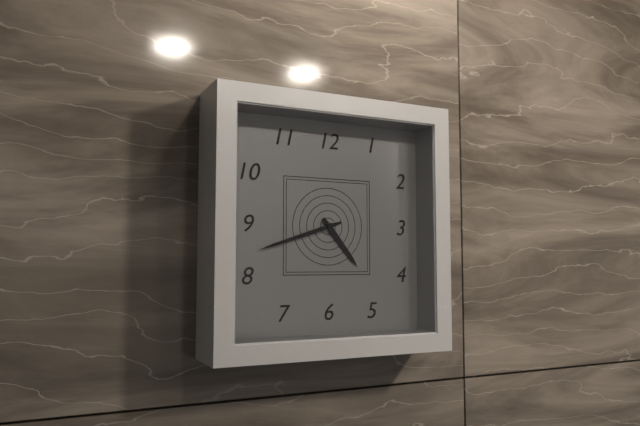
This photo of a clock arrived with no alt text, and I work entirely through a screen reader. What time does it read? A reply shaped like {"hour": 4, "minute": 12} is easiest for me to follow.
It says {"hour": 4, "minute": 42}
